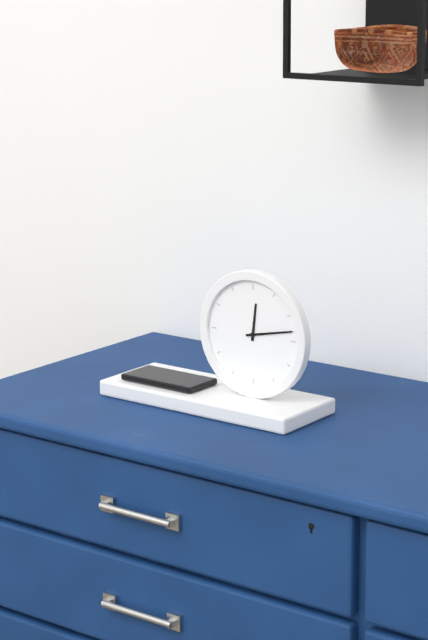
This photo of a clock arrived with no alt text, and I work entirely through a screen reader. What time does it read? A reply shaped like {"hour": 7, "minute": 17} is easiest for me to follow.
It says {"hour": 12, "minute": 13}
